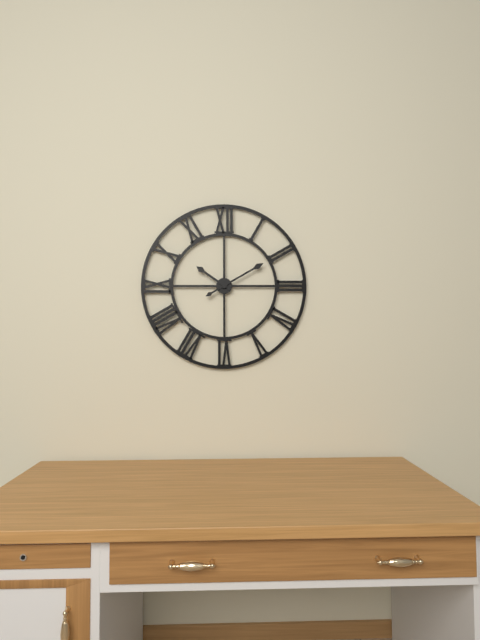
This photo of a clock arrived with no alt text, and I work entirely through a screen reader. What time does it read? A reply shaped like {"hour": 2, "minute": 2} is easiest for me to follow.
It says {"hour": 10, "minute": 10}
